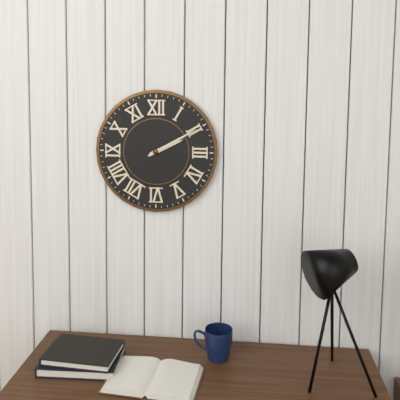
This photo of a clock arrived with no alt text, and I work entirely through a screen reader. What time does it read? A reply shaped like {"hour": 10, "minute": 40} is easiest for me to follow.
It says {"hour": 2, "minute": 10}
